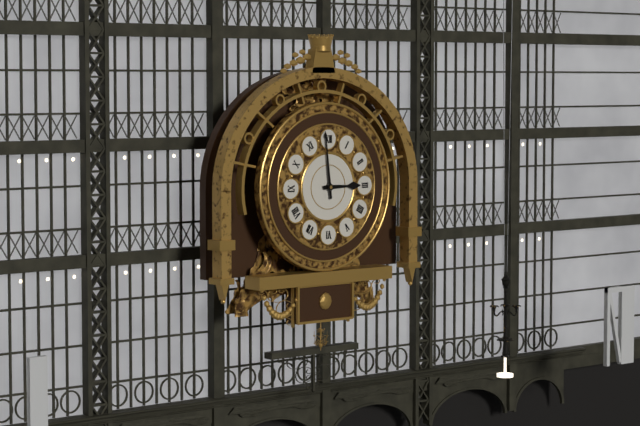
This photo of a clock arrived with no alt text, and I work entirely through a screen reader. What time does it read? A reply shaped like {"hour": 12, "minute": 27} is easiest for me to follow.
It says {"hour": 2, "minute": 59}
